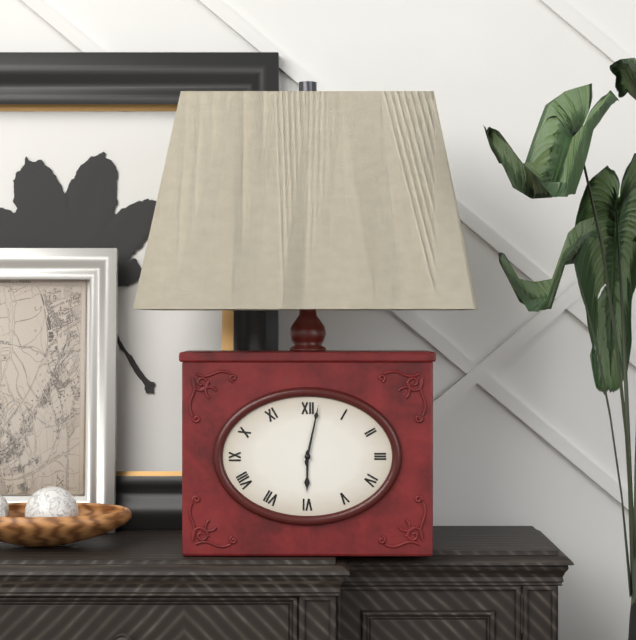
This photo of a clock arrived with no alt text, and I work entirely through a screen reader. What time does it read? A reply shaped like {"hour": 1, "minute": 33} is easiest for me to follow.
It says {"hour": 6, "minute": 2}
